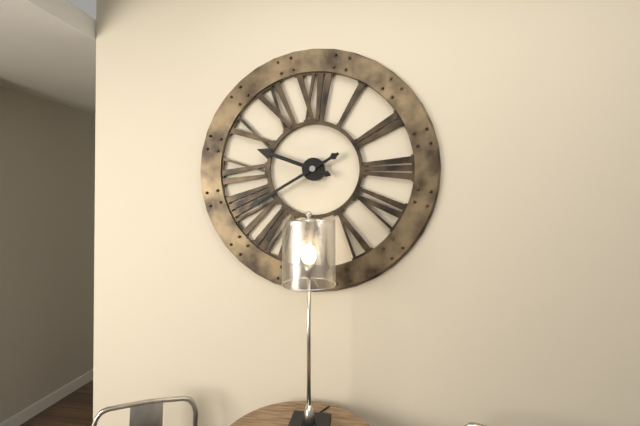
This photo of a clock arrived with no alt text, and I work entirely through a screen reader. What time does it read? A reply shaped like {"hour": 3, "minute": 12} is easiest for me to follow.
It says {"hour": 9, "minute": 40}
